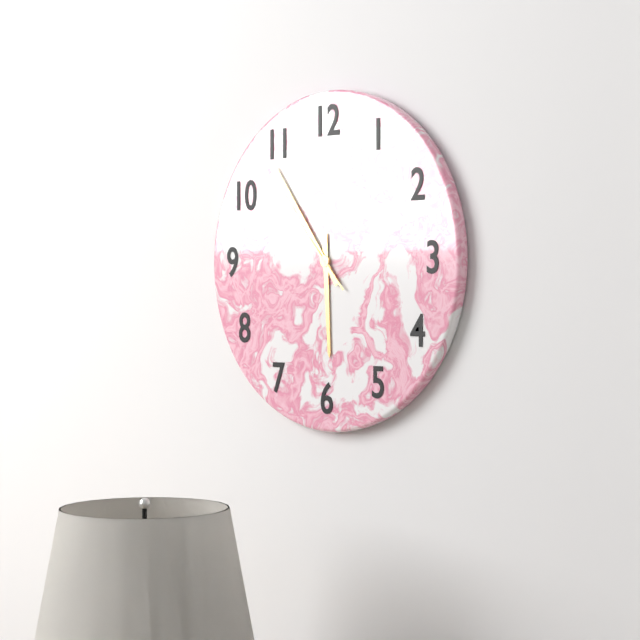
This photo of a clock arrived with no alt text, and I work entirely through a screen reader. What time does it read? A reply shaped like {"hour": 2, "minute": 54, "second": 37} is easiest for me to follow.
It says {"hour": 5, "minute": 54, "second": 53}
